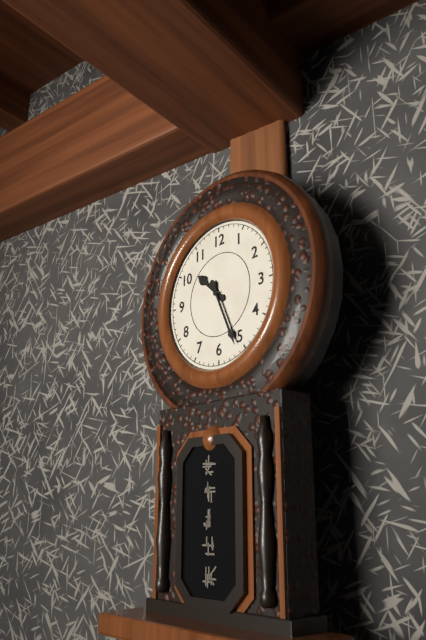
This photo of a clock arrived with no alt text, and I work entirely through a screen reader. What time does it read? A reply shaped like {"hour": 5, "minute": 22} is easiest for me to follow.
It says {"hour": 10, "minute": 26}
